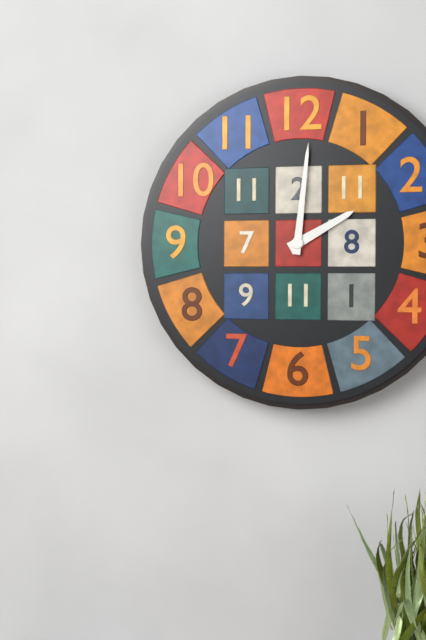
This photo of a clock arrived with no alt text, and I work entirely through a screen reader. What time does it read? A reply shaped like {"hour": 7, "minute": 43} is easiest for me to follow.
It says {"hour": 2, "minute": 1}
